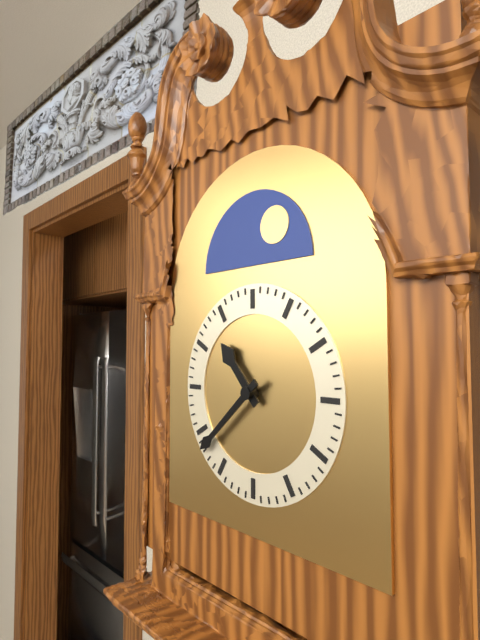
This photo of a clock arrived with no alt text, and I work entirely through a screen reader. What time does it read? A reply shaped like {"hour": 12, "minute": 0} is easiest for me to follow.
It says {"hour": 10, "minute": 38}
